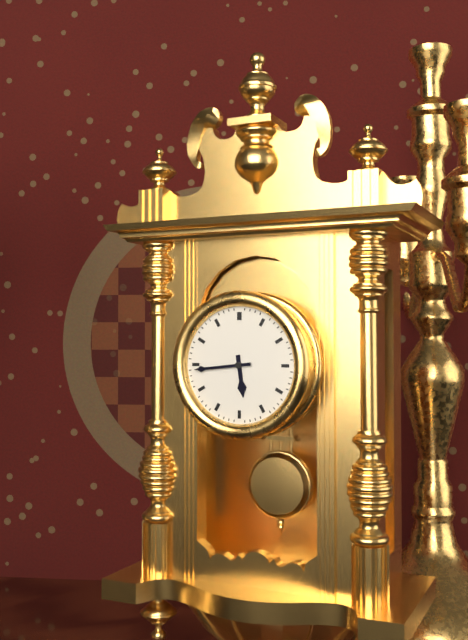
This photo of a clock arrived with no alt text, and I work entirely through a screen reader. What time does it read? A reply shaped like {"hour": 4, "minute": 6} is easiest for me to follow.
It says {"hour": 5, "minute": 44}
